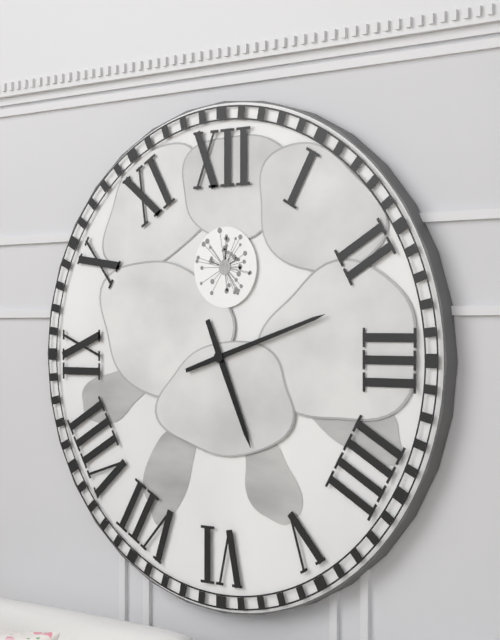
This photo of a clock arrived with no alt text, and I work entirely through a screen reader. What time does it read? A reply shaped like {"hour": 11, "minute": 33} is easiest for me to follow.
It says {"hour": 5, "minute": 12}
